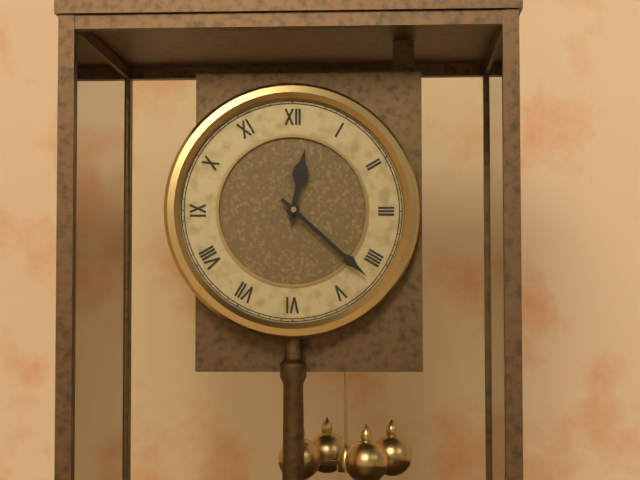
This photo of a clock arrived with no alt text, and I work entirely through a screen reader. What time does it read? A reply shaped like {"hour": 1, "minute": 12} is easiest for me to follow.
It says {"hour": 12, "minute": 22}
